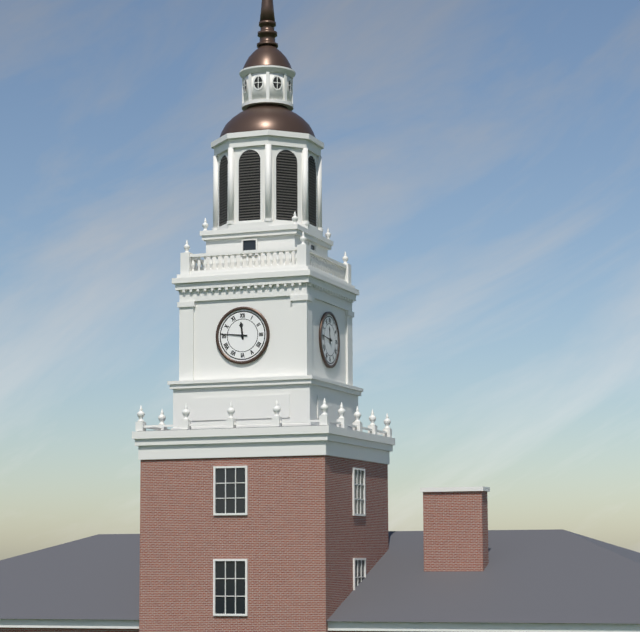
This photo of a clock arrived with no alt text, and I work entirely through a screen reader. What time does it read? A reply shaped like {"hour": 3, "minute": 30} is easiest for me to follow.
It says {"hour": 11, "minute": 46}
